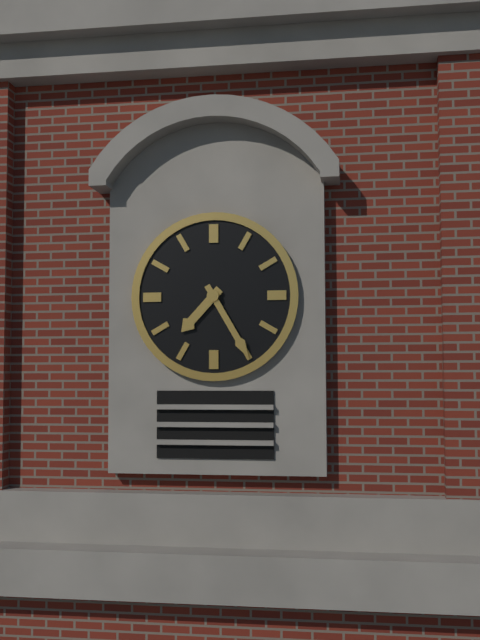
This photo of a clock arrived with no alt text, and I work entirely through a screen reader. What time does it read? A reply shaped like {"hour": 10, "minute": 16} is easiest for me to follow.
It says {"hour": 7, "minute": 25}
